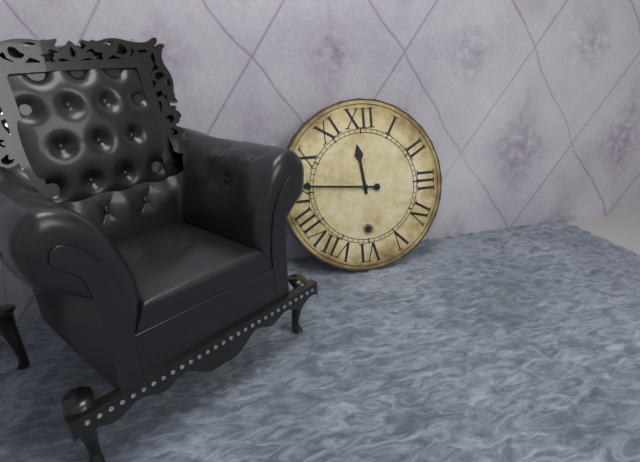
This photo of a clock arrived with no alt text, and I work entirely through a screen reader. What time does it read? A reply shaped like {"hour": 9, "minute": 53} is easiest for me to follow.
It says {"hour": 11, "minute": 46}
